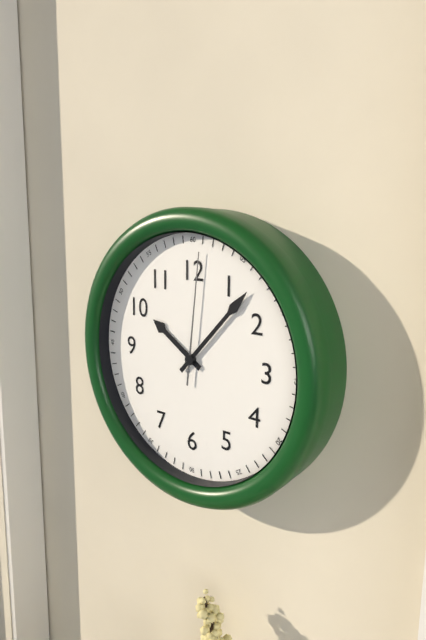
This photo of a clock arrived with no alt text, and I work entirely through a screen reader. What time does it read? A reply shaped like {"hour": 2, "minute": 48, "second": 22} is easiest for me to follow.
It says {"hour": 10, "minute": 7, "second": 1}
